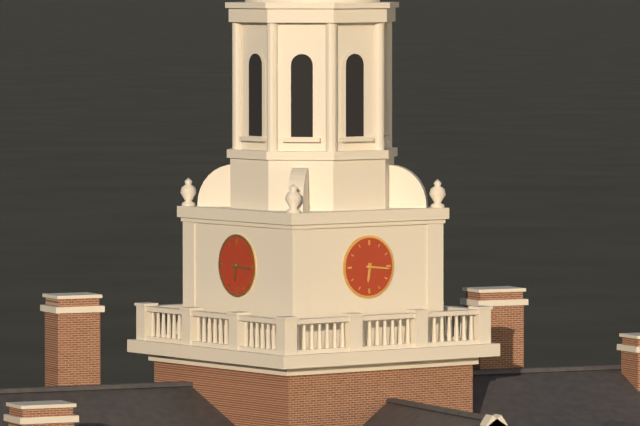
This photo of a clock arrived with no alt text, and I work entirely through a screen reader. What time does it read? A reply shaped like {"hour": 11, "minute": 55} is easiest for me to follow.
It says {"hour": 6, "minute": 16}
